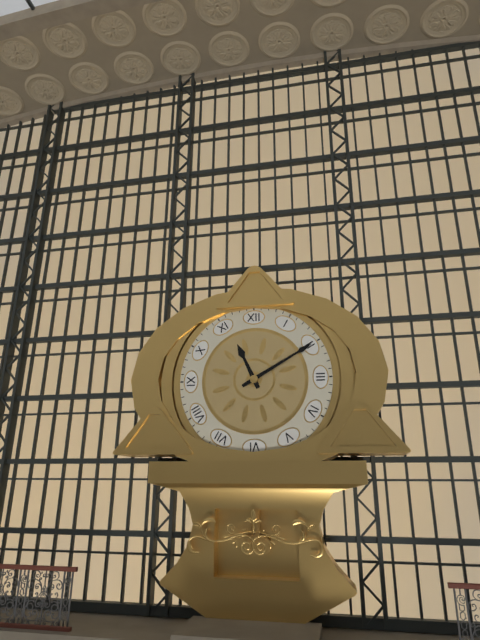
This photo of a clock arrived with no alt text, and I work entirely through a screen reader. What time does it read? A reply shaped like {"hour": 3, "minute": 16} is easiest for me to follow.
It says {"hour": 11, "minute": 10}
